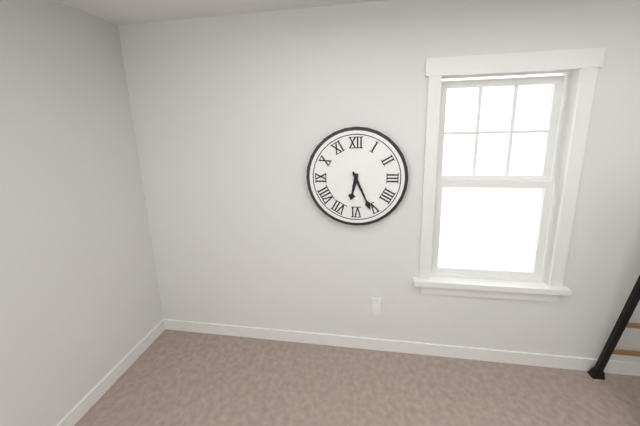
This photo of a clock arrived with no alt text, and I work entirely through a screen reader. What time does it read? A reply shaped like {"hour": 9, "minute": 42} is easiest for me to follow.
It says {"hour": 6, "minute": 26}
